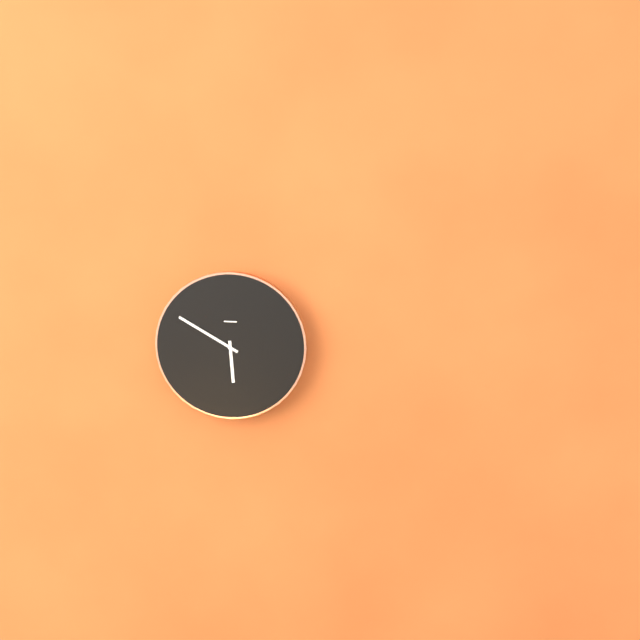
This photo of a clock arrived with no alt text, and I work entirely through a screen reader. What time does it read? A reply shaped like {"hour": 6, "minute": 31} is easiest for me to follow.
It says {"hour": 5, "minute": 50}
